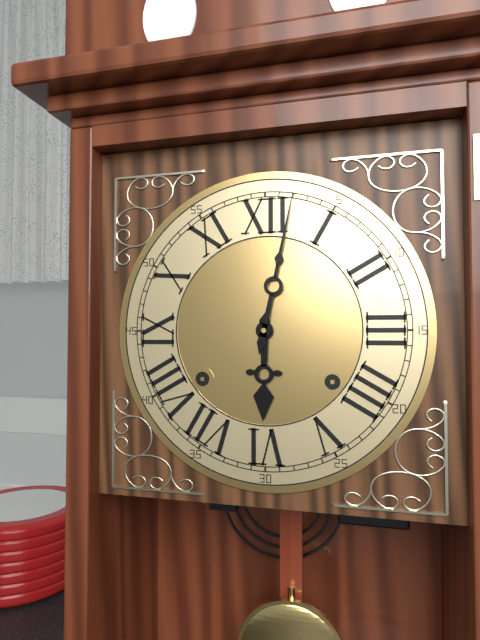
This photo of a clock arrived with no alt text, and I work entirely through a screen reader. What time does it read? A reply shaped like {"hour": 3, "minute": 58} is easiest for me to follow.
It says {"hour": 6, "minute": 2}
